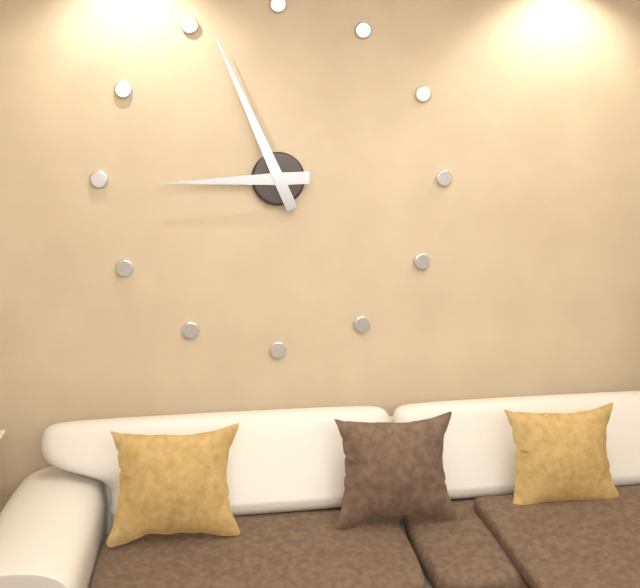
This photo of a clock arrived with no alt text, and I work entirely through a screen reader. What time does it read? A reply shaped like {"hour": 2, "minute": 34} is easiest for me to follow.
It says {"hour": 8, "minute": 56}
